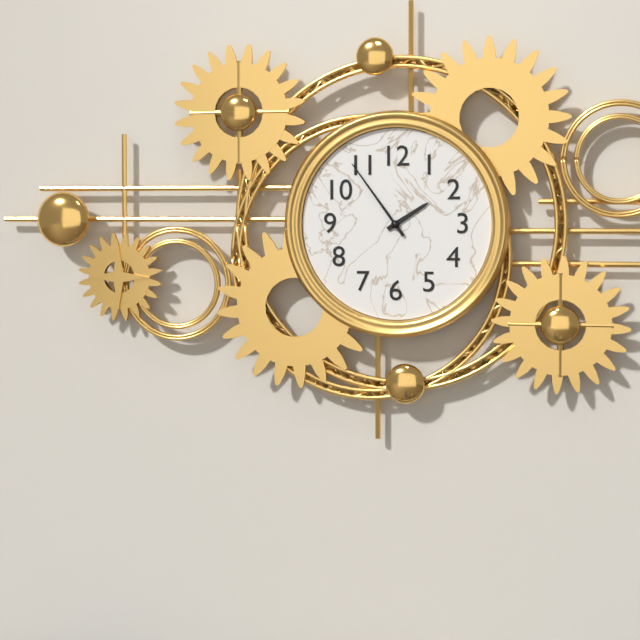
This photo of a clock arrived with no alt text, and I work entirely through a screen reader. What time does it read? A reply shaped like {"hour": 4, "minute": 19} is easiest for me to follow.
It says {"hour": 1, "minute": 54}
